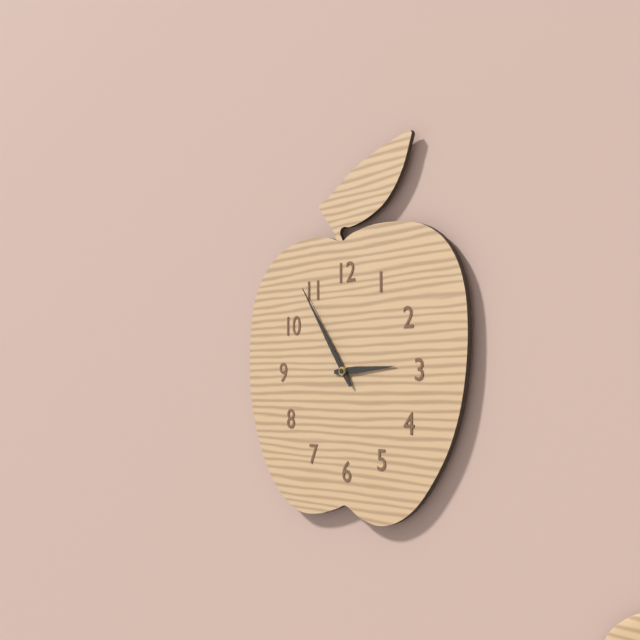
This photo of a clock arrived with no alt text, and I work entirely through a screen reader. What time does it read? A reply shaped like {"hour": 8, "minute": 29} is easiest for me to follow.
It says {"hour": 2, "minute": 54}
